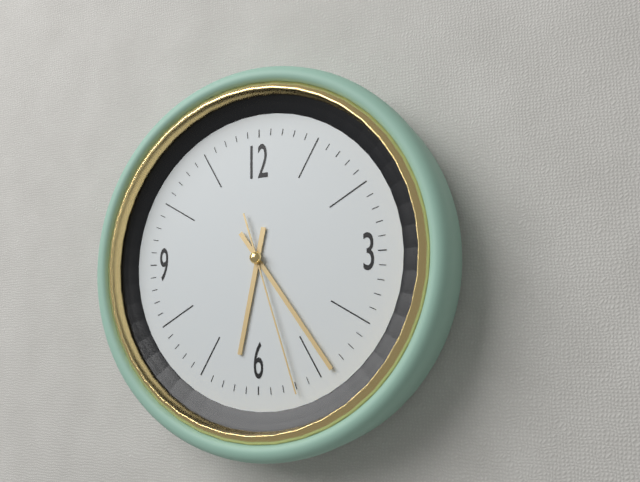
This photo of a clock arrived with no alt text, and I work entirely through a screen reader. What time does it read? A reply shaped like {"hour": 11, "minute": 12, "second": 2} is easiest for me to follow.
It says {"hour": 6, "minute": 24, "second": 27}
